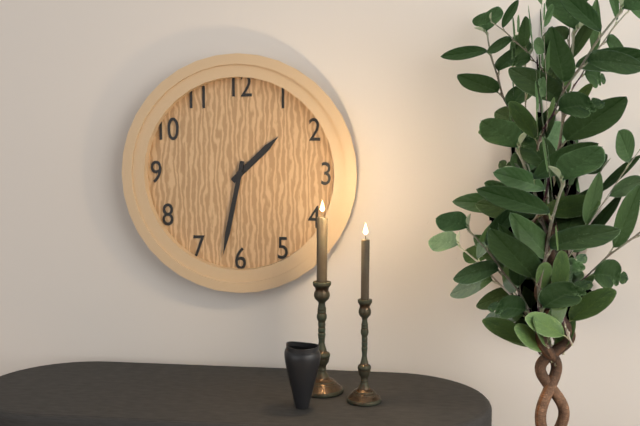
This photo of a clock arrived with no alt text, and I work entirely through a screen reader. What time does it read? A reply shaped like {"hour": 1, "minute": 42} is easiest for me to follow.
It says {"hour": 1, "minute": 32}
